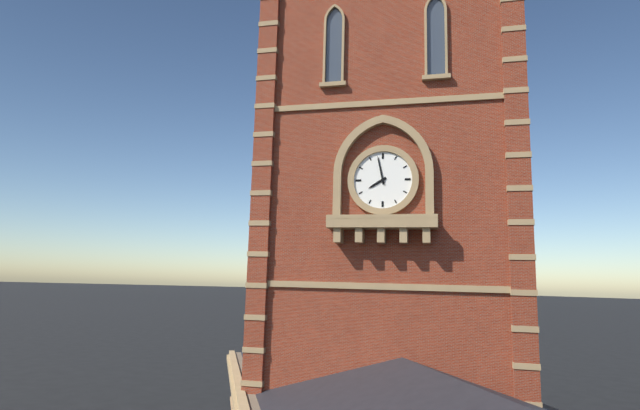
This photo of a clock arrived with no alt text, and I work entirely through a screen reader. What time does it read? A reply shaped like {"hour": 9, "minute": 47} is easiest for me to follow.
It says {"hour": 7, "minute": 58}
